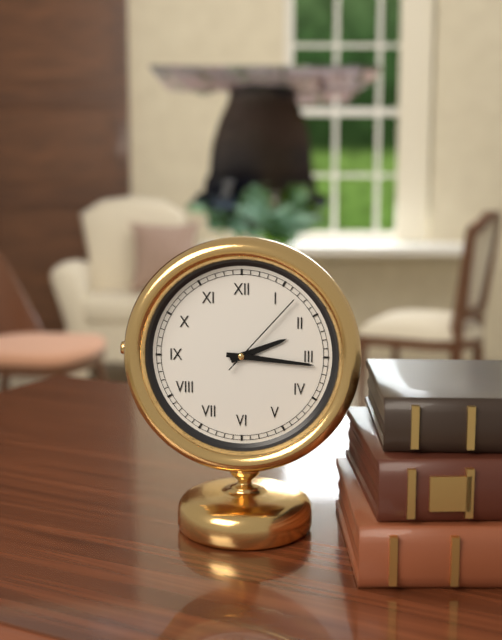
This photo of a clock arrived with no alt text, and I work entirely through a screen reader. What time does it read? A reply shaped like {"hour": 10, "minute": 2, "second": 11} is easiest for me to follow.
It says {"hour": 2, "minute": 16, "second": 7}
